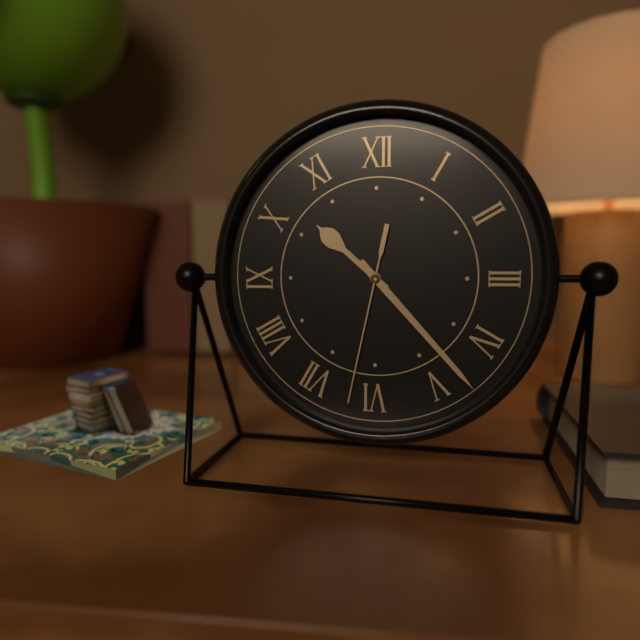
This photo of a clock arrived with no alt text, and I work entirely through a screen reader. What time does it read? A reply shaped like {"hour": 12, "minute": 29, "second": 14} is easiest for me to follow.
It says {"hour": 10, "minute": 23, "second": 32}
